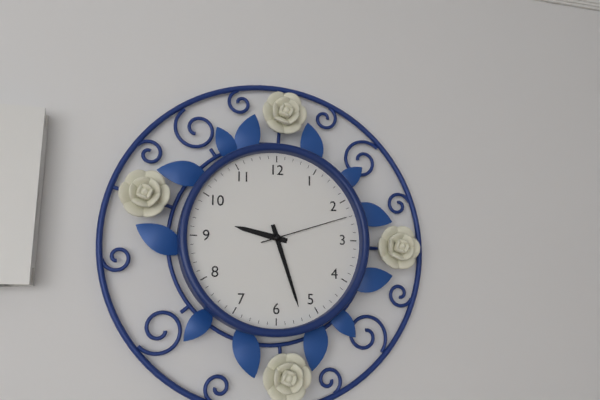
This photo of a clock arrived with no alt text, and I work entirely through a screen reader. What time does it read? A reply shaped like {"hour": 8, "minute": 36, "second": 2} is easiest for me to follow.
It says {"hour": 9, "minute": 27, "second": 12}
